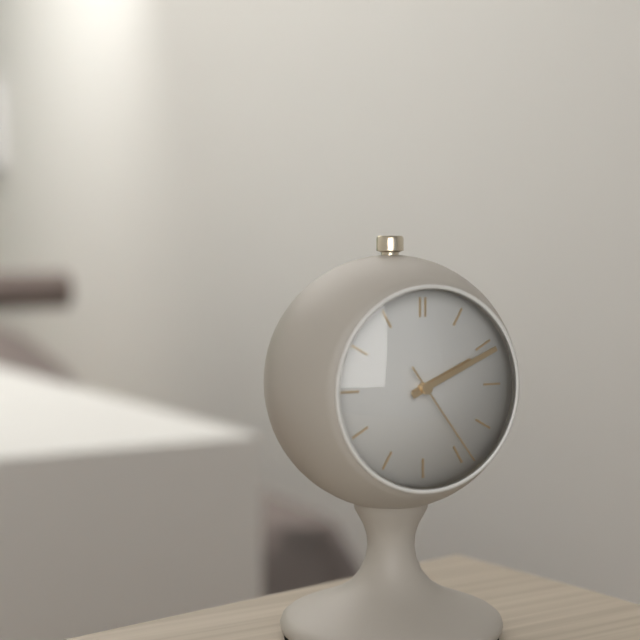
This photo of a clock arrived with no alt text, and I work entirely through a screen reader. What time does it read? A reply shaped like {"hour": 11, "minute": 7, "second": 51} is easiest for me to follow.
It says {"hour": 2, "minute": 11, "second": 24}
